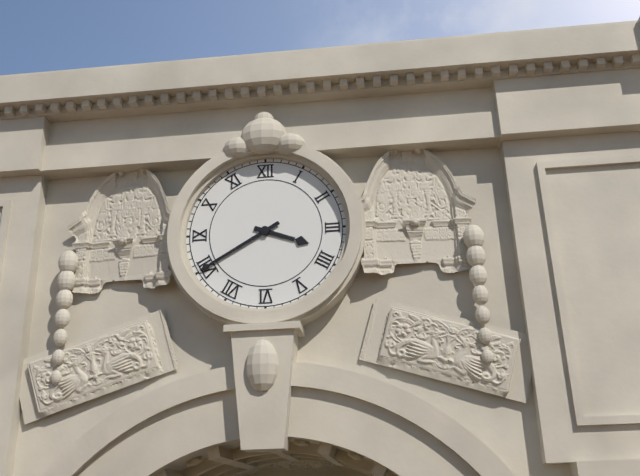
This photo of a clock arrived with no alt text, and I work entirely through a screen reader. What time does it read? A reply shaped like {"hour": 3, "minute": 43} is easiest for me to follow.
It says {"hour": 3, "minute": 40}
